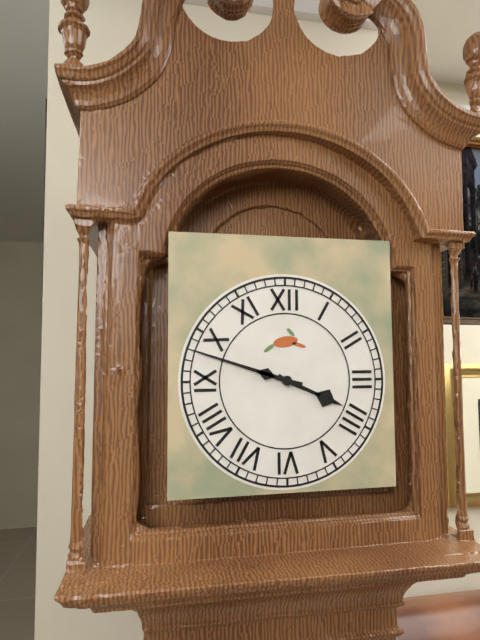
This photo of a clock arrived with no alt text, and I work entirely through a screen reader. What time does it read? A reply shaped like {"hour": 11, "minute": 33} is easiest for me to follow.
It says {"hour": 3, "minute": 48}
